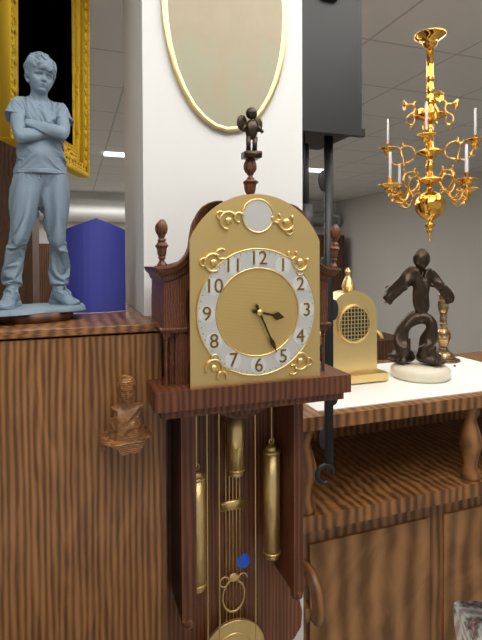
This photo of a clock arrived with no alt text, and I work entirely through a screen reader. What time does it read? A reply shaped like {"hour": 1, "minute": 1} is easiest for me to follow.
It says {"hour": 3, "minute": 26}
